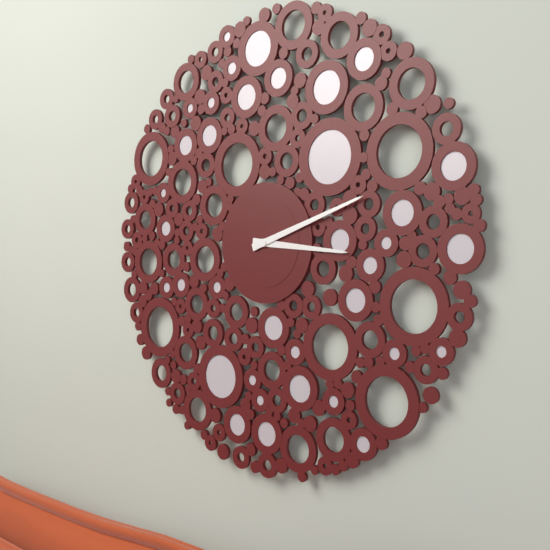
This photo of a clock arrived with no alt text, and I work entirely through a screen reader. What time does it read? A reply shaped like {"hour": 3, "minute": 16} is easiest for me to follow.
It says {"hour": 3, "minute": 12}
